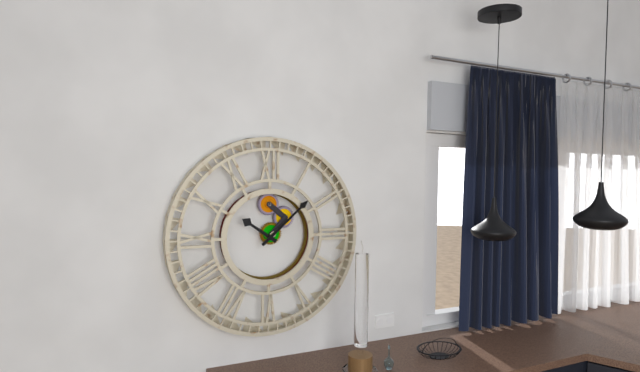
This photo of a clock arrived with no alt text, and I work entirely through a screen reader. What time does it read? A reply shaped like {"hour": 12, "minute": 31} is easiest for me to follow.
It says {"hour": 10, "minute": 8}
